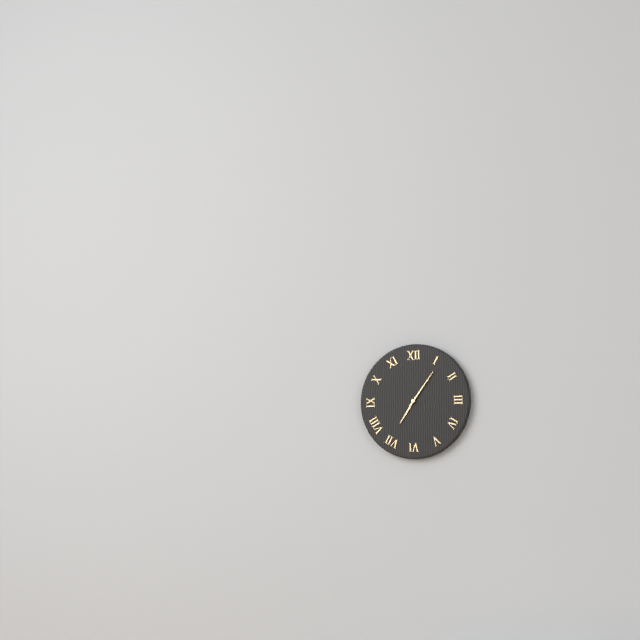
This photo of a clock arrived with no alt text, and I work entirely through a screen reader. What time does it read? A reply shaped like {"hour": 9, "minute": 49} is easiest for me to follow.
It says {"hour": 7, "minute": 6}
